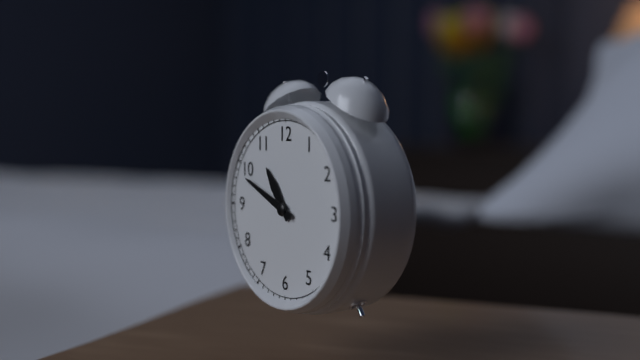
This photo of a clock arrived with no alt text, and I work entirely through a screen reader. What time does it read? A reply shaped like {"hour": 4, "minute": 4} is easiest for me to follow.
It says {"hour": 10, "minute": 49}
